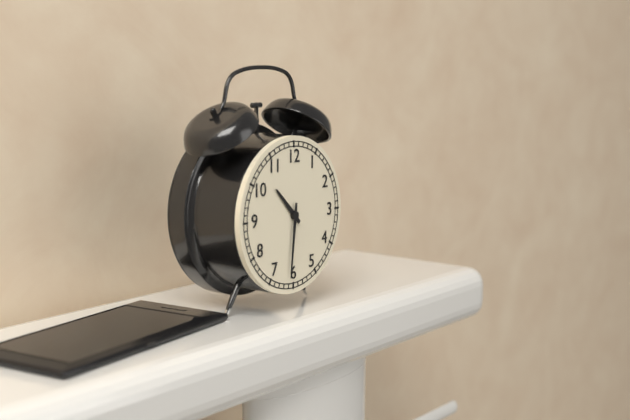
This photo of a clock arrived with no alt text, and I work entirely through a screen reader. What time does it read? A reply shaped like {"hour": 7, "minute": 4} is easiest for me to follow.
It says {"hour": 10, "minute": 31}
